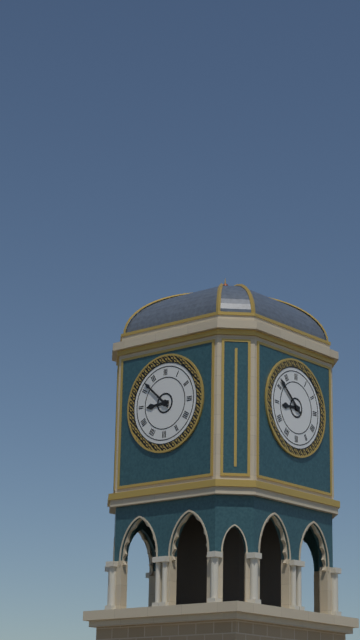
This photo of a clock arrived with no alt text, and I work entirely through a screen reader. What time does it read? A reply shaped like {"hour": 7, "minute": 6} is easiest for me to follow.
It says {"hour": 8, "minute": 52}
